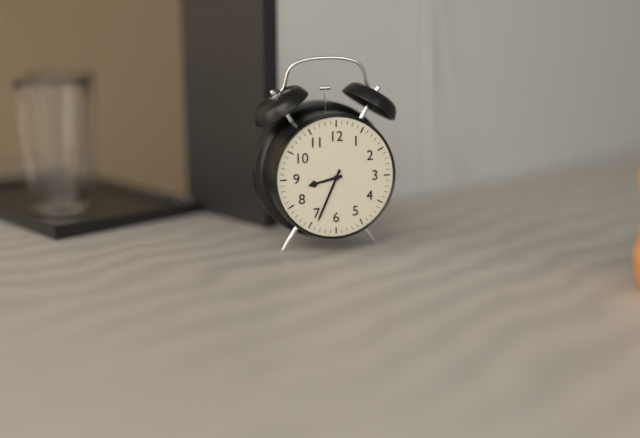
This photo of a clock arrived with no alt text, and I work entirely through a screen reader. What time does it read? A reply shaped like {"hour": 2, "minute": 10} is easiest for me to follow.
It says {"hour": 8, "minute": 34}
